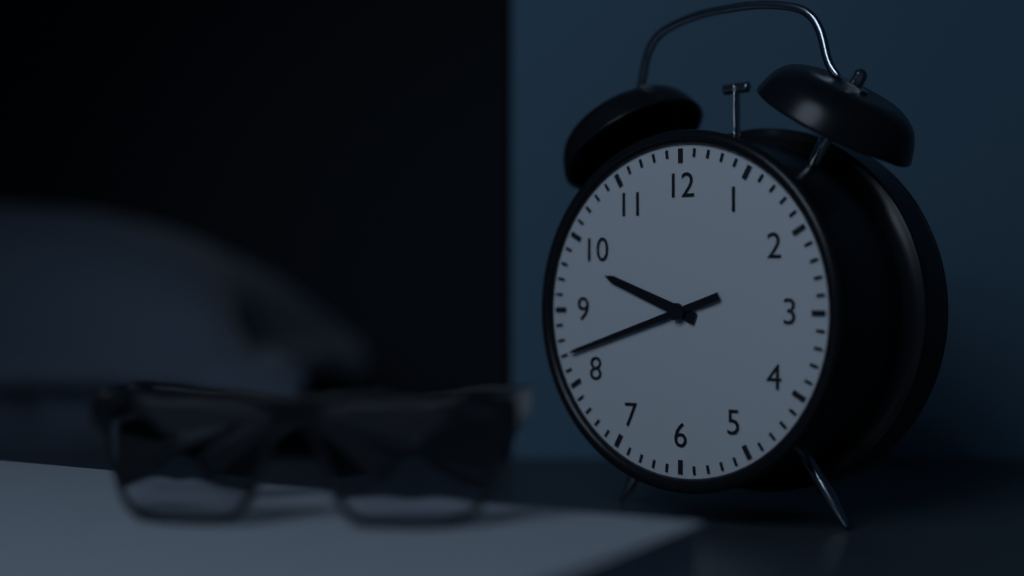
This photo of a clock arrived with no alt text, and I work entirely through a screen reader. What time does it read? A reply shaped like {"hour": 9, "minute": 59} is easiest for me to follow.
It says {"hour": 9, "minute": 42}
